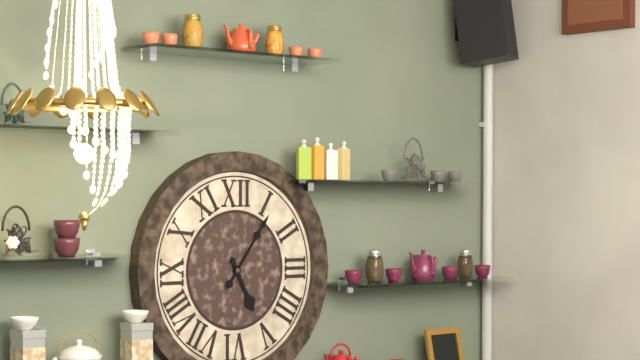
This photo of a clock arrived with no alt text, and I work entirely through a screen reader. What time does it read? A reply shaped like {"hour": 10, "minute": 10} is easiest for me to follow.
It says {"hour": 5, "minute": 6}
